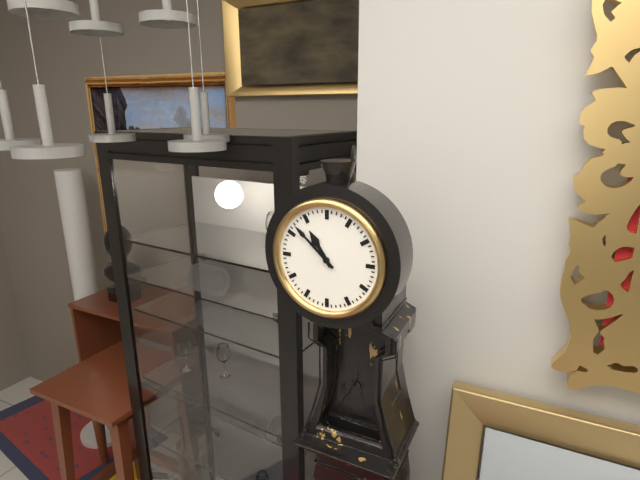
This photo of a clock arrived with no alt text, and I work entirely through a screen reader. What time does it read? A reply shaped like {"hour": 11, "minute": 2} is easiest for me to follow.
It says {"hour": 10, "minute": 52}
